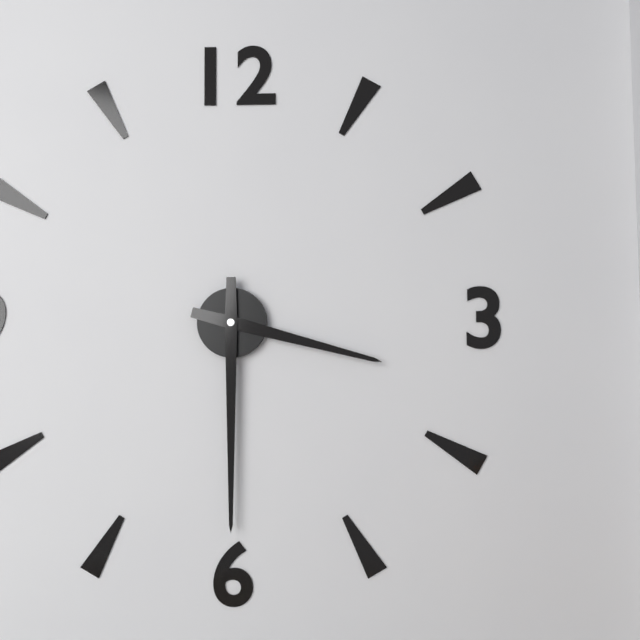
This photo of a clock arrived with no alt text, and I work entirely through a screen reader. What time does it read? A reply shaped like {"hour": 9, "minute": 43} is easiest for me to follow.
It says {"hour": 3, "minute": 30}
